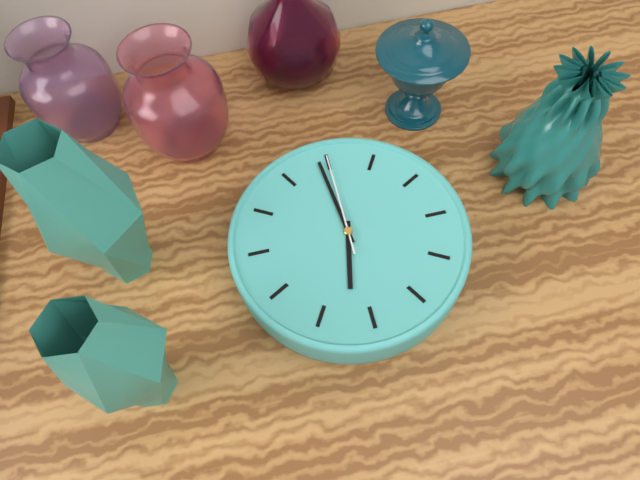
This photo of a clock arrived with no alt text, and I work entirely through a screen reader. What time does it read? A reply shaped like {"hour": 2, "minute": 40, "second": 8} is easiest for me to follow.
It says {"hour": 11, "minute": 24, "second": 25}
